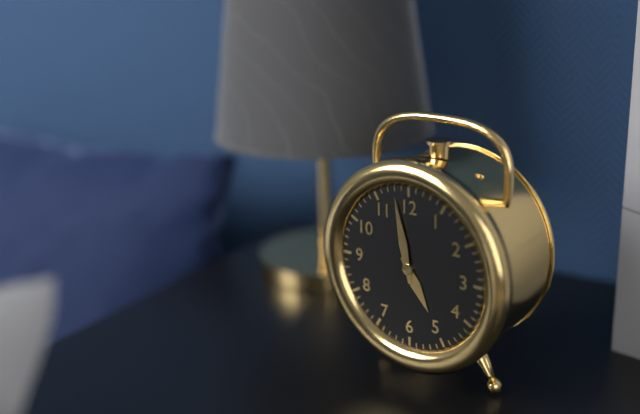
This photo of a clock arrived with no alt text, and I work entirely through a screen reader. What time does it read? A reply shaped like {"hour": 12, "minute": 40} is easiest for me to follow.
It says {"hour": 4, "minute": 58}
